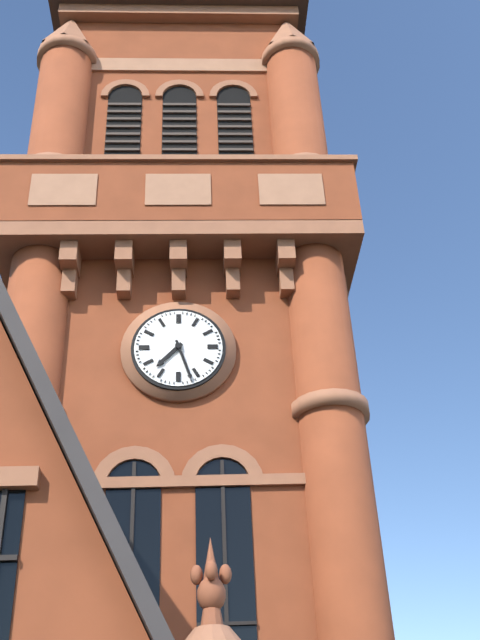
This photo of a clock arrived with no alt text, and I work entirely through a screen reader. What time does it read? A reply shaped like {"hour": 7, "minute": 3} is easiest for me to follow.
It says {"hour": 7, "minute": 27}
